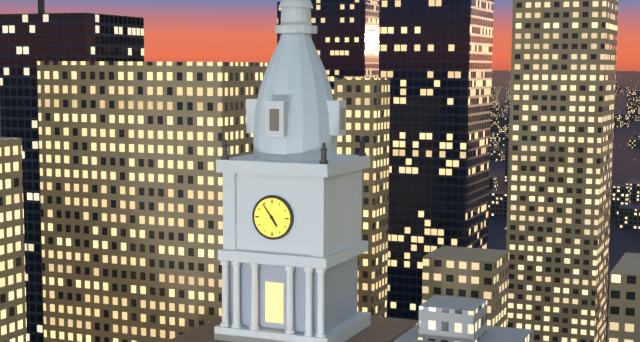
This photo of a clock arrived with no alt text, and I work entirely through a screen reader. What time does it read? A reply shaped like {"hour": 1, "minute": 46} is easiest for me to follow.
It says {"hour": 4, "minute": 54}
